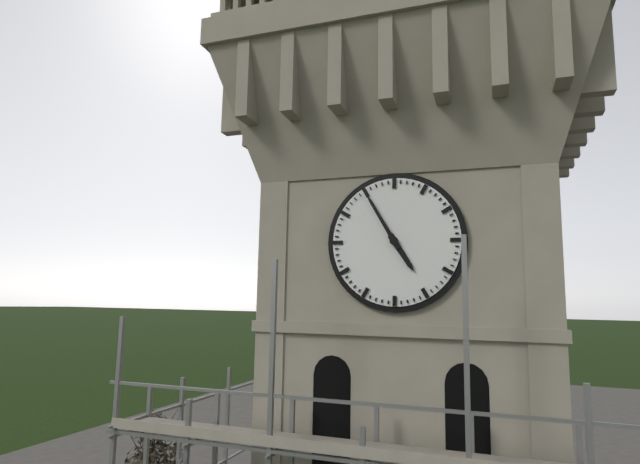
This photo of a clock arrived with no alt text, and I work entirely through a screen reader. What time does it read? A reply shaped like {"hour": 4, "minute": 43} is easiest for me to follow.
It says {"hour": 4, "minute": 55}
